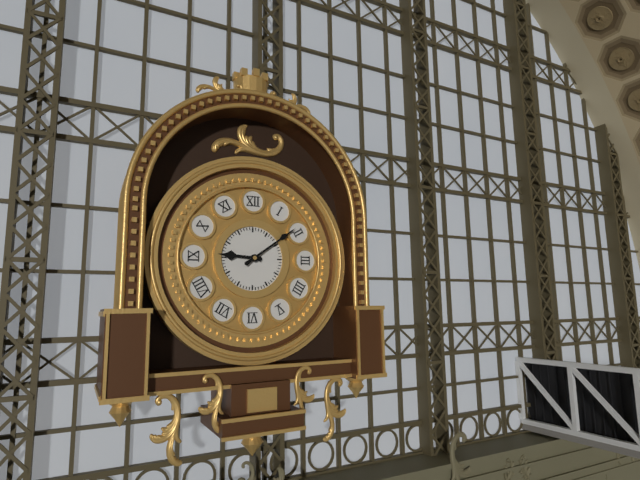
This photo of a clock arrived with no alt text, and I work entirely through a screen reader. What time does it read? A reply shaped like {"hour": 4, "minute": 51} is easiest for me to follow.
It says {"hour": 9, "minute": 9}
